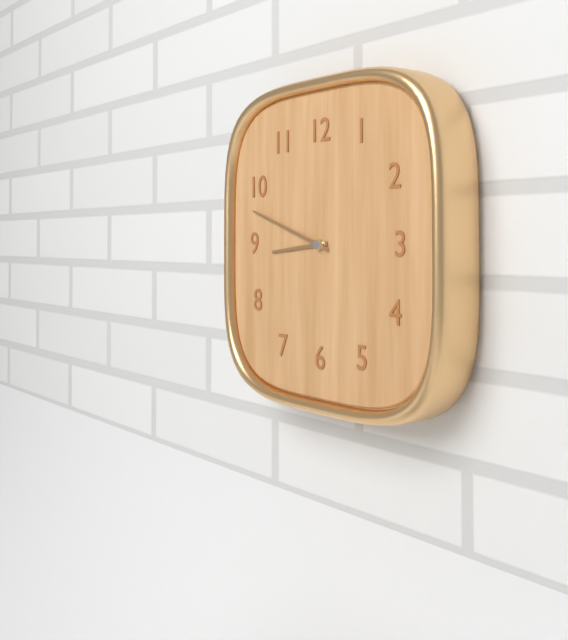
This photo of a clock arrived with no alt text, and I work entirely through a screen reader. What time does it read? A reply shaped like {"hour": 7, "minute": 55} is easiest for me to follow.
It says {"hour": 8, "minute": 48}
